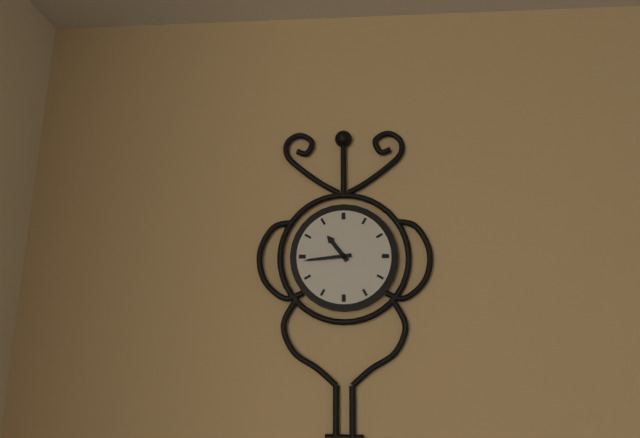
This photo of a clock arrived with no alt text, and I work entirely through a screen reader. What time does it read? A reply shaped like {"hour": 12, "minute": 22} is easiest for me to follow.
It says {"hour": 10, "minute": 44}
